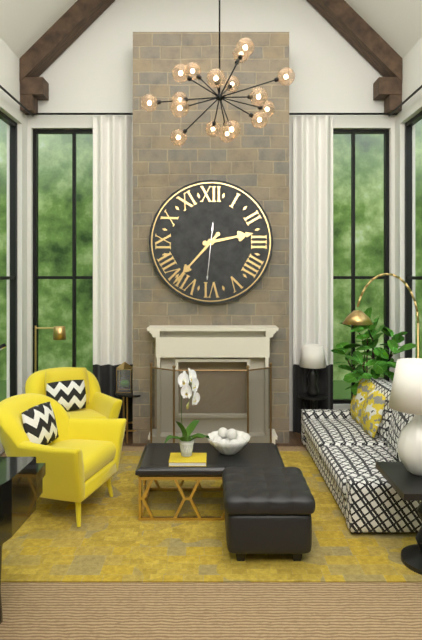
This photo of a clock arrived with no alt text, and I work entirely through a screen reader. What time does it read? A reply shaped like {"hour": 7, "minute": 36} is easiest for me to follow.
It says {"hour": 2, "minute": 37}
